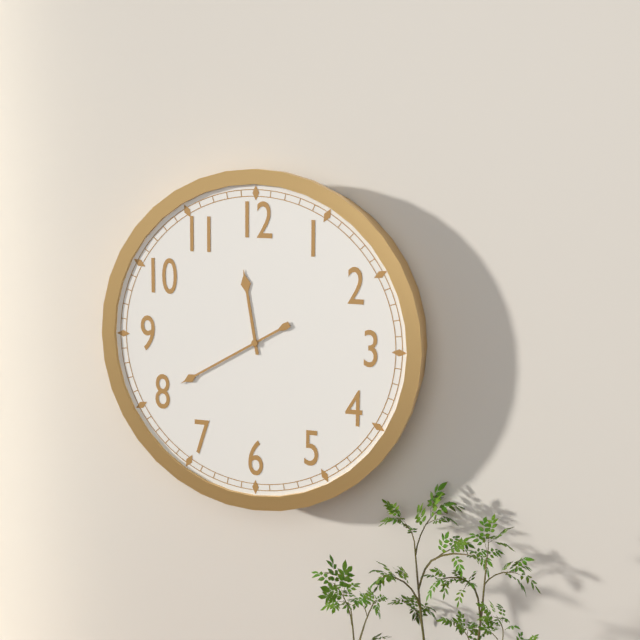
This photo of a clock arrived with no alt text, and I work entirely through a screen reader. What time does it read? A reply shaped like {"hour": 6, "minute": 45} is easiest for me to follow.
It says {"hour": 11, "minute": 40}
